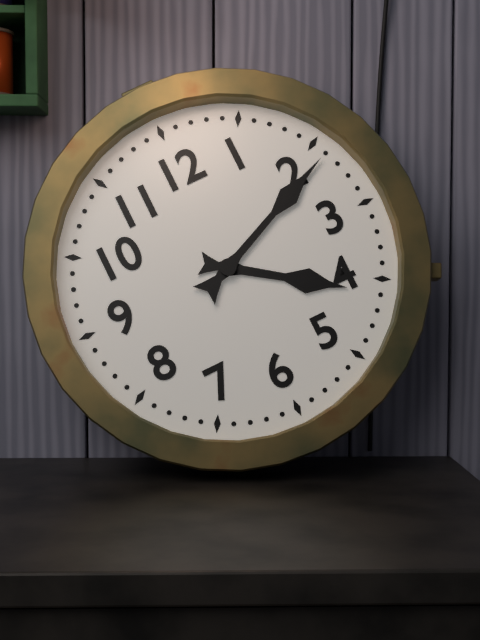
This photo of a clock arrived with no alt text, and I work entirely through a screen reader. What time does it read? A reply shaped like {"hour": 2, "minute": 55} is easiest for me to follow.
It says {"hour": 4, "minute": 11}
